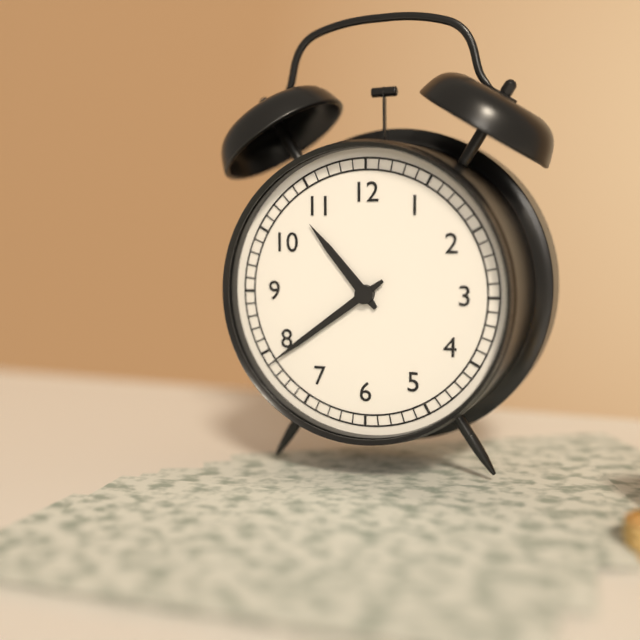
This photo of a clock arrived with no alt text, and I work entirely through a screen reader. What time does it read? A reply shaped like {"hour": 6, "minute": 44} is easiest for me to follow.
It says {"hour": 10, "minute": 39}
